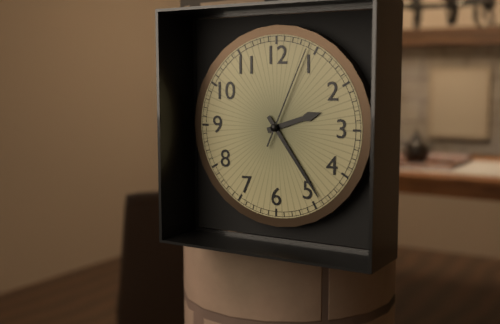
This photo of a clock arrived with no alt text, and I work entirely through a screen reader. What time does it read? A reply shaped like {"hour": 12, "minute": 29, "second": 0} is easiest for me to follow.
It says {"hour": 2, "minute": 24, "second": 4}
